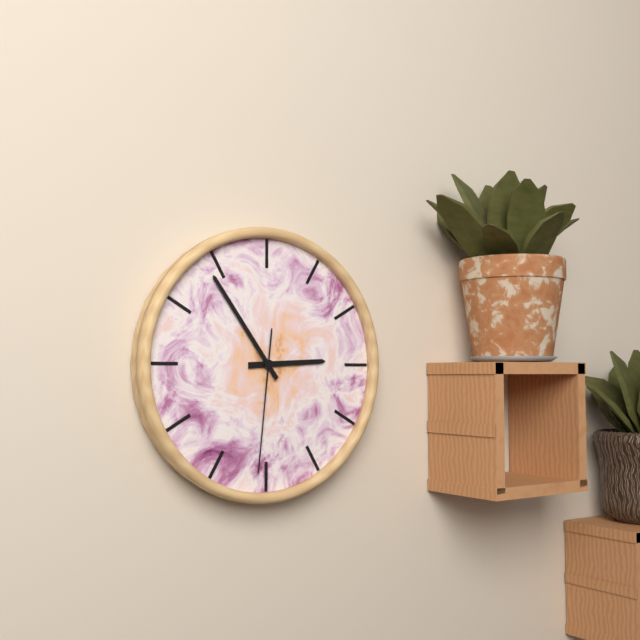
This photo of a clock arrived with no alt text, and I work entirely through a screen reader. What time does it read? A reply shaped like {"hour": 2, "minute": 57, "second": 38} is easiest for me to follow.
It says {"hour": 2, "minute": 54, "second": 31}
